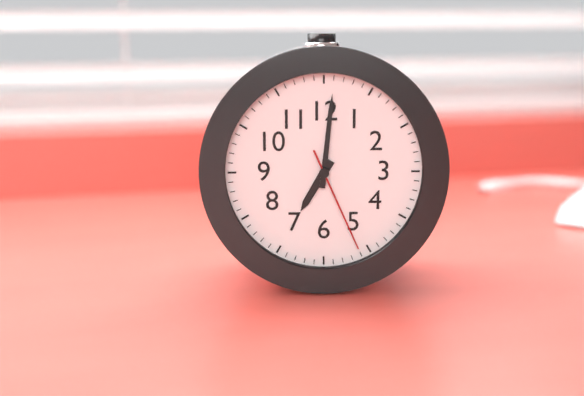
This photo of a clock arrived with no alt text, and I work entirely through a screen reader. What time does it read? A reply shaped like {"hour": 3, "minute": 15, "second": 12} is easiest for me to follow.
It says {"hour": 7, "minute": 1, "second": 26}
